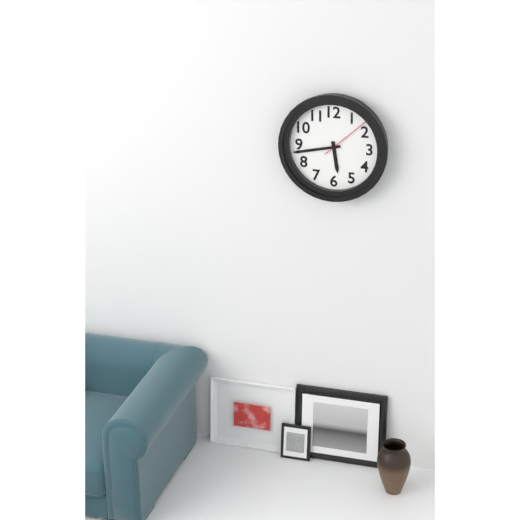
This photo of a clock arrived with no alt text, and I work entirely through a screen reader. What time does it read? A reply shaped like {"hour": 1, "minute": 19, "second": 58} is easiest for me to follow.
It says {"hour": 5, "minute": 43, "second": 8}
